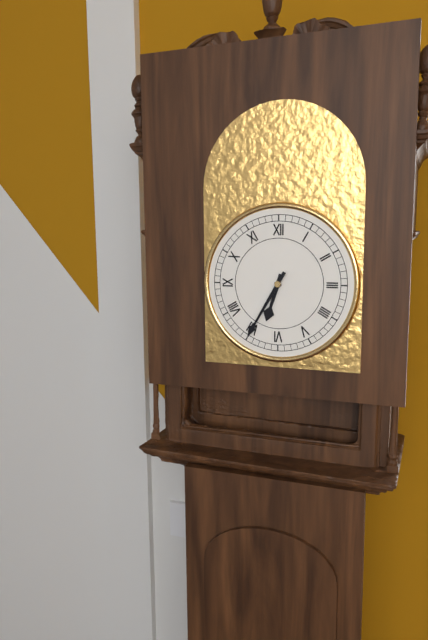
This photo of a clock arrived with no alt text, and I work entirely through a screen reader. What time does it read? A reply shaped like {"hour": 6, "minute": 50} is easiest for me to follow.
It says {"hour": 6, "minute": 35}
